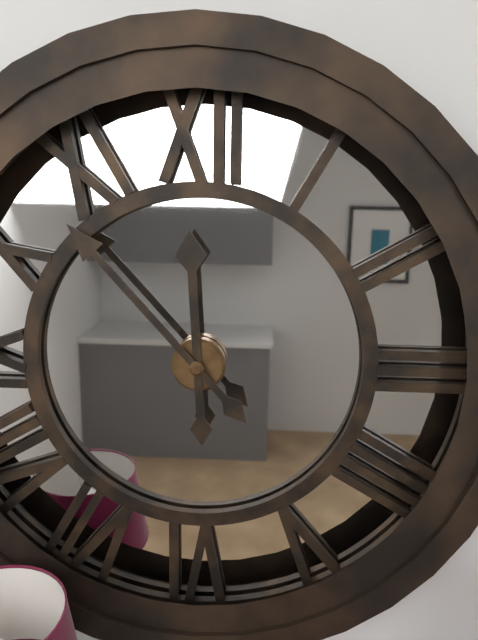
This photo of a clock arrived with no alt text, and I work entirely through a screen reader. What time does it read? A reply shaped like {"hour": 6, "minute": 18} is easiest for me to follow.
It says {"hour": 11, "minute": 53}
